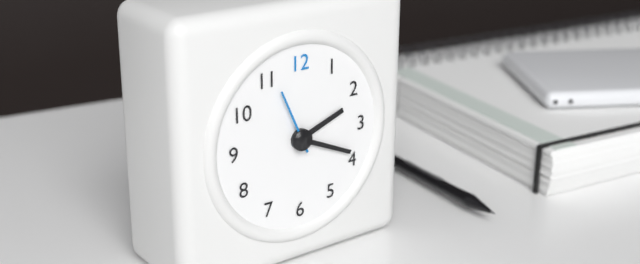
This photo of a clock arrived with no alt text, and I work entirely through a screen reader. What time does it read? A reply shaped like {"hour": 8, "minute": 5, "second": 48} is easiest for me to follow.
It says {"hour": 2, "minute": 19, "second": 56}
